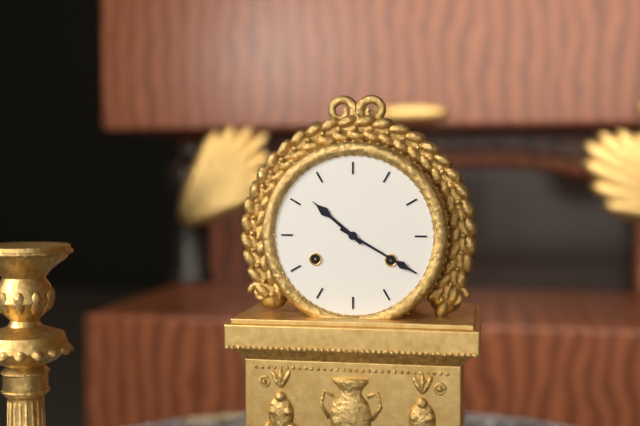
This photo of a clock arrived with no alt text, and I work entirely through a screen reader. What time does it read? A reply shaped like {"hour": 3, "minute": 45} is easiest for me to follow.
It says {"hour": 10, "minute": 20}
